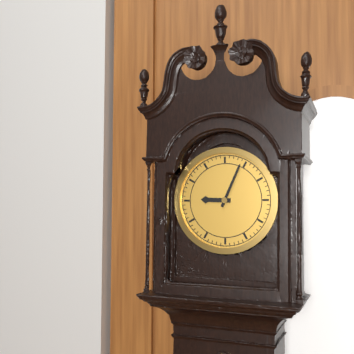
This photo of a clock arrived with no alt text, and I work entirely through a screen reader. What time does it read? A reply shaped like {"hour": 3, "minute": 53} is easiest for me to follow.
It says {"hour": 9, "minute": 4}
